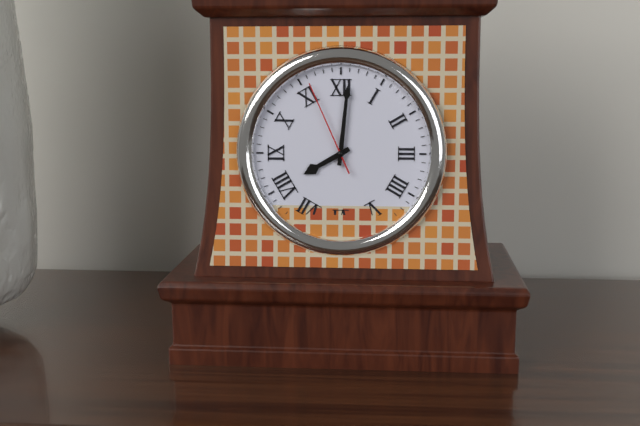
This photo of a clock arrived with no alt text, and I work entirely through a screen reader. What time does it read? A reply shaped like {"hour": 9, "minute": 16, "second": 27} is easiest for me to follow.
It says {"hour": 8, "minute": 1, "second": 56}
